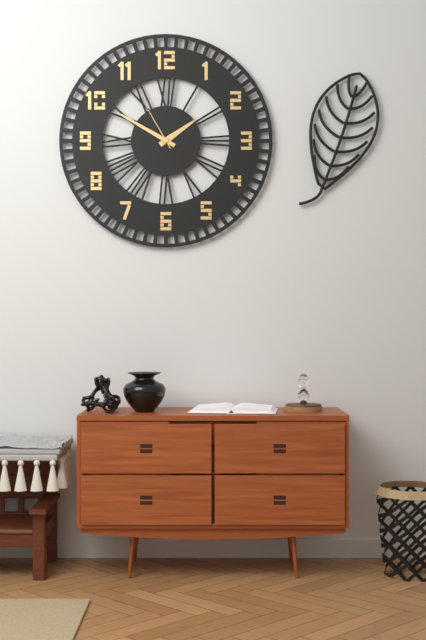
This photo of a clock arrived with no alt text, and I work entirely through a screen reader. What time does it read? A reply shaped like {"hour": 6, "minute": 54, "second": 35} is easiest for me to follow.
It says {"hour": 1, "minute": 50, "second": 55}
